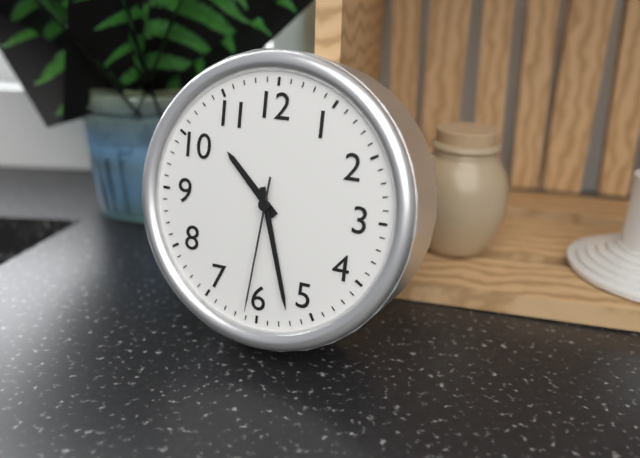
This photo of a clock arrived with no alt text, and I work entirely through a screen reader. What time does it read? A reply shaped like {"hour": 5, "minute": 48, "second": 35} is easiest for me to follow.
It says {"hour": 10, "minute": 27, "second": 31}
